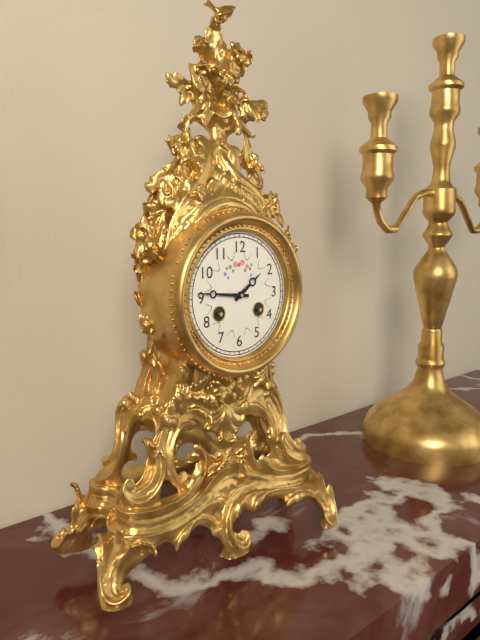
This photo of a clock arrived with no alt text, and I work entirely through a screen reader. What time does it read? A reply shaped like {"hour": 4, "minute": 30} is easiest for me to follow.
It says {"hour": 1, "minute": 46}
